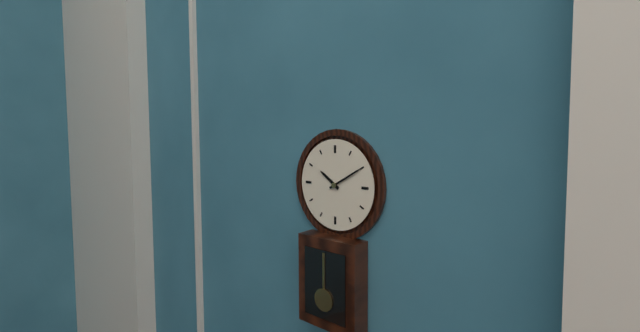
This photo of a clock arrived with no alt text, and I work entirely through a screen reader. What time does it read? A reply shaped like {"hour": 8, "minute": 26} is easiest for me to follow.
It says {"hour": 10, "minute": 10}
